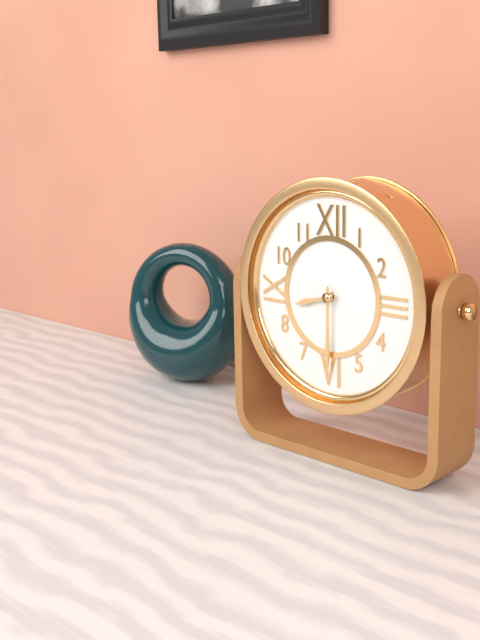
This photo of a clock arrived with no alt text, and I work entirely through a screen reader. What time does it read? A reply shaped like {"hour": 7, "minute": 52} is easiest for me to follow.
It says {"hour": 8, "minute": 30}
